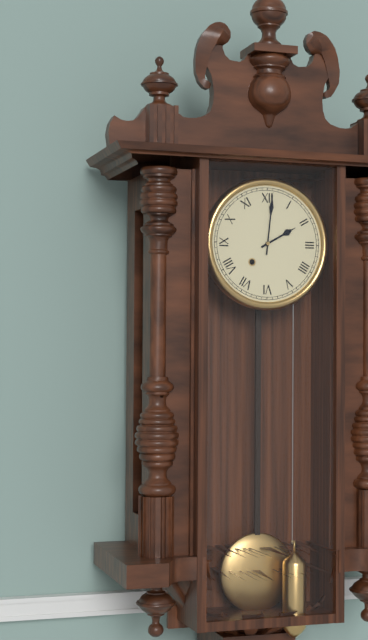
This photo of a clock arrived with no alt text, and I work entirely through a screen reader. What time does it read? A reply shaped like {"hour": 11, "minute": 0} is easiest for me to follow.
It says {"hour": 2, "minute": 1}
